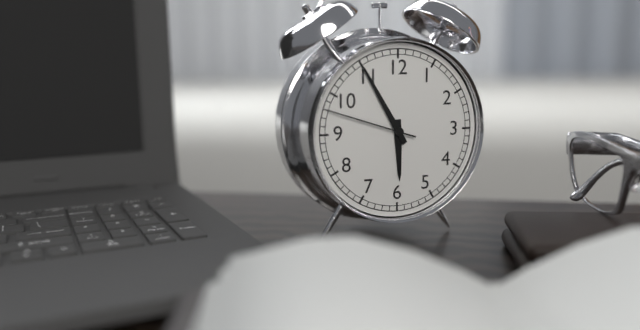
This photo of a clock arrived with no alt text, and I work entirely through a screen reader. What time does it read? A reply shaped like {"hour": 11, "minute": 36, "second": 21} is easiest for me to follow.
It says {"hour": 5, "minute": 55, "second": 48}
